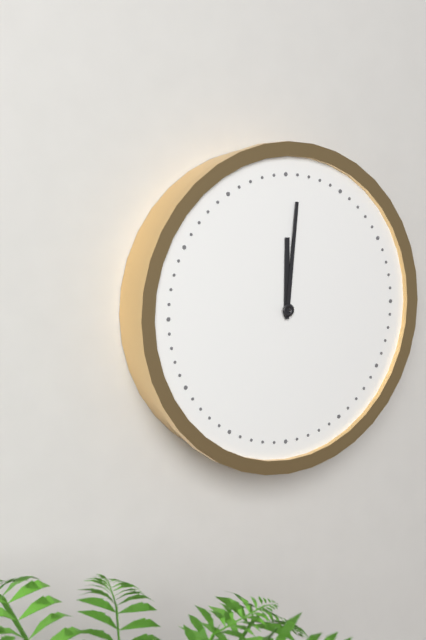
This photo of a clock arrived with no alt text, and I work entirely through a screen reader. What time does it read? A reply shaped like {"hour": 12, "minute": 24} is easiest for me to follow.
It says {"hour": 12, "minute": 1}
